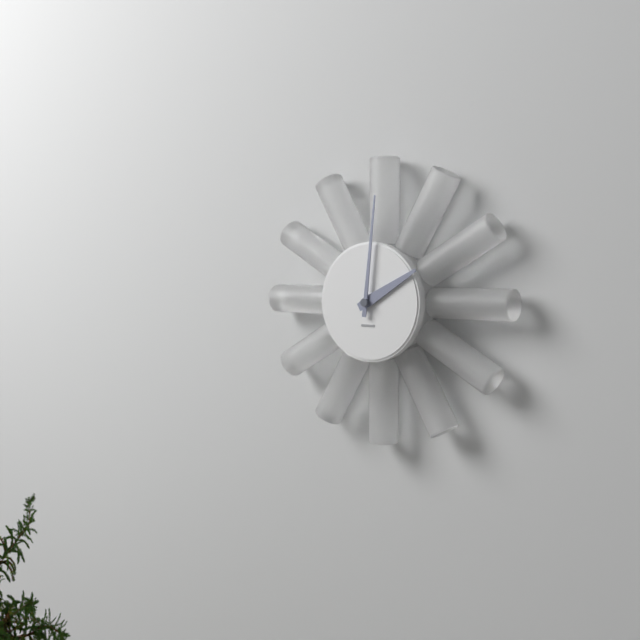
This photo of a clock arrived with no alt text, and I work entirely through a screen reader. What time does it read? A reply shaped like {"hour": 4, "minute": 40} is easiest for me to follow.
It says {"hour": 2, "minute": 1}
